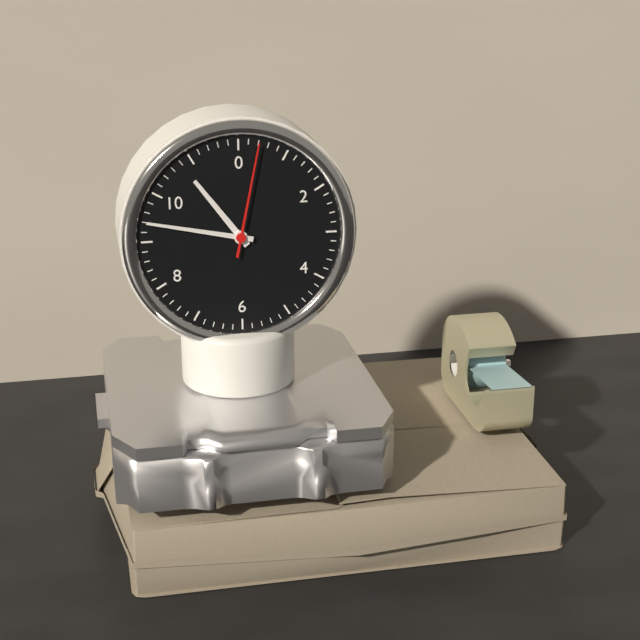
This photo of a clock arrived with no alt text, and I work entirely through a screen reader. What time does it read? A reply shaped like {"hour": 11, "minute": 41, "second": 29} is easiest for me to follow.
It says {"hour": 10, "minute": 47, "second": 2}
